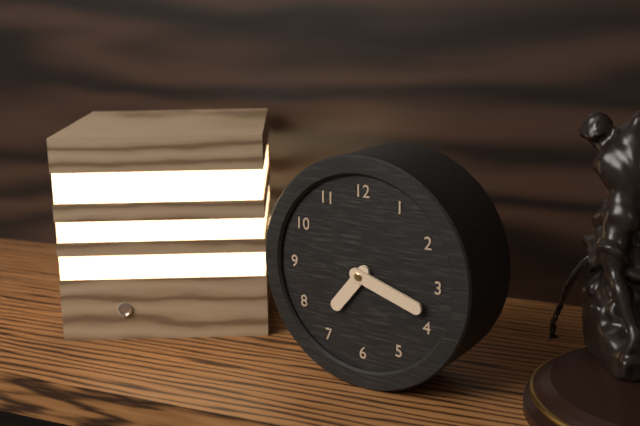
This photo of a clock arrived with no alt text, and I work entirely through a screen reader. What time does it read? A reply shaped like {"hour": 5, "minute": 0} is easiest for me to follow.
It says {"hour": 7, "minute": 18}
